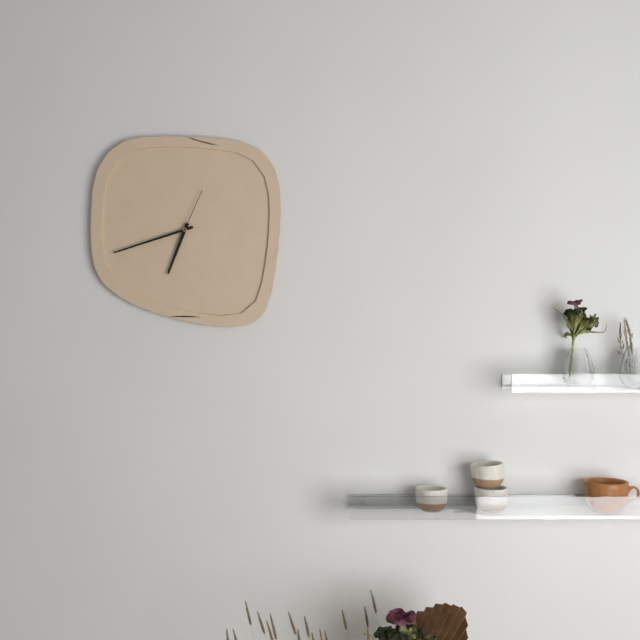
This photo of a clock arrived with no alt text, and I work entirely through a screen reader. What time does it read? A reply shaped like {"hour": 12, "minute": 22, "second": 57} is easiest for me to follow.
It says {"hour": 6, "minute": 42, "second": 4}
